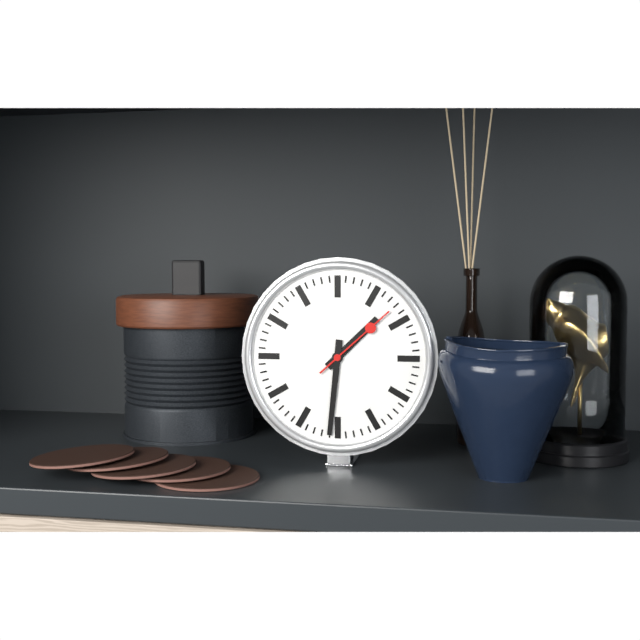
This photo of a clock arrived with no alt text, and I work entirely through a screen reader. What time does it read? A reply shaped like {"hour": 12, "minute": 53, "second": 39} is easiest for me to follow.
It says {"hour": 1, "minute": 31, "second": 8}
